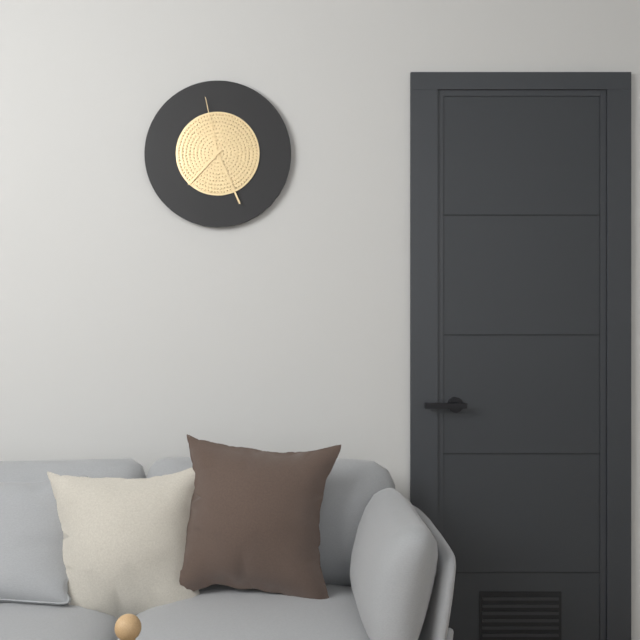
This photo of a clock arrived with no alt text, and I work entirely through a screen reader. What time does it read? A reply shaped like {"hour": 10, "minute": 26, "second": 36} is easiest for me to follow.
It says {"hour": 7, "minute": 26, "second": 58}
